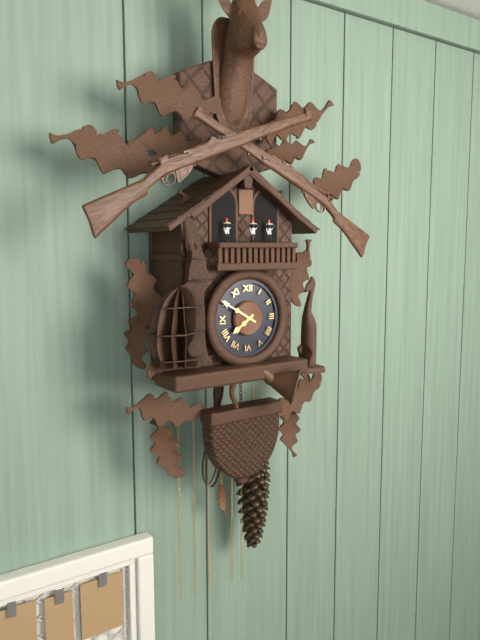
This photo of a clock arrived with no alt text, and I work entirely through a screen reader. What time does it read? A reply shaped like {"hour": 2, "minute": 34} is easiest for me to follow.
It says {"hour": 7, "minute": 50}
